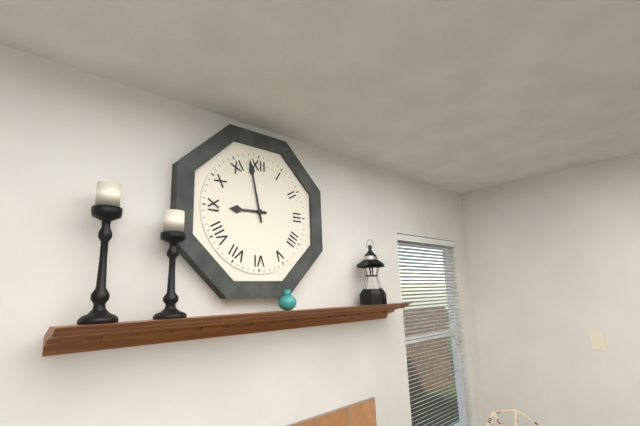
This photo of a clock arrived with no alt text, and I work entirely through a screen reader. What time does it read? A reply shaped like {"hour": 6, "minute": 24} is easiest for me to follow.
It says {"hour": 8, "minute": 58}
